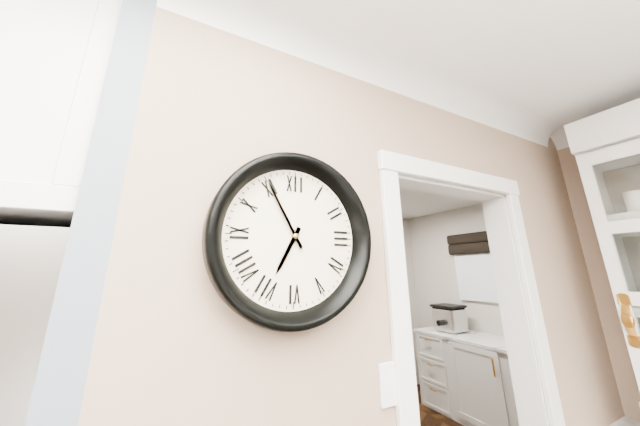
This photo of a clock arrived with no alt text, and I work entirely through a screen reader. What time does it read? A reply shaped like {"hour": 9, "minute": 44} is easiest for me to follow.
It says {"hour": 6, "minute": 55}
